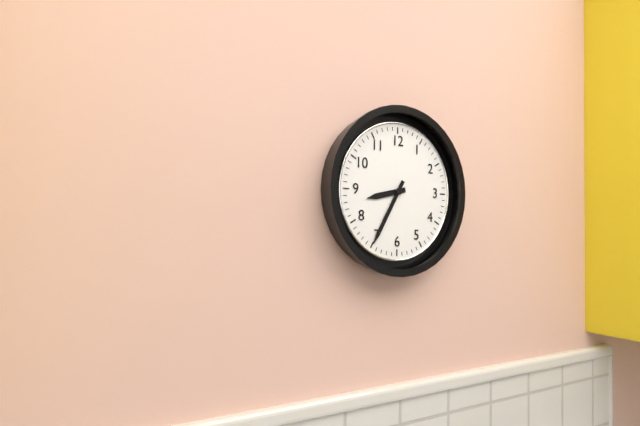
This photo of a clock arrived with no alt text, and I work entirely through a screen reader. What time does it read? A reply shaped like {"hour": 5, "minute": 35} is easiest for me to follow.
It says {"hour": 8, "minute": 35}
